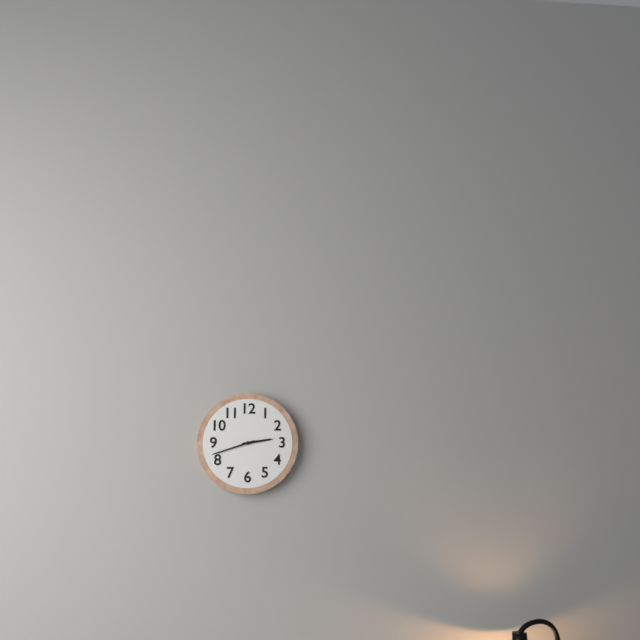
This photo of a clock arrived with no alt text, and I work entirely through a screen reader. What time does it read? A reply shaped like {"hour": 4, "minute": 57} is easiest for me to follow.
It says {"hour": 2, "minute": 42}
